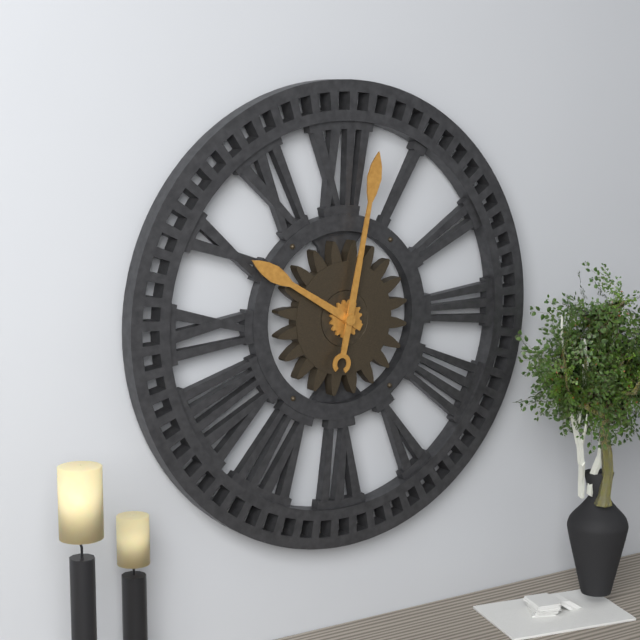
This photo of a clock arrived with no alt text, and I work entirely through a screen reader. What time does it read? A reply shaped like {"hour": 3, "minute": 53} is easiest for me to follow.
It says {"hour": 10, "minute": 2}
